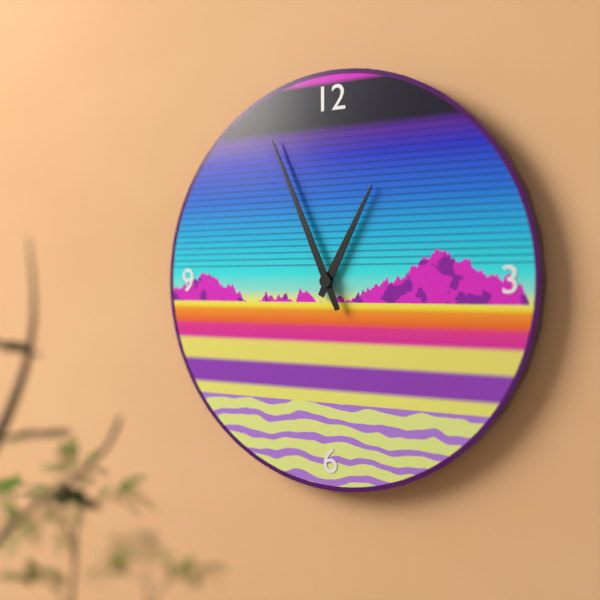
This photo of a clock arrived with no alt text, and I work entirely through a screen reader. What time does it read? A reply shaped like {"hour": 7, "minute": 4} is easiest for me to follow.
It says {"hour": 12, "minute": 56}
